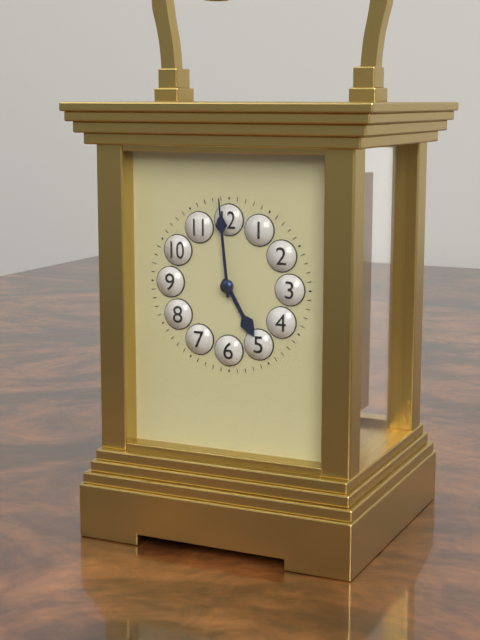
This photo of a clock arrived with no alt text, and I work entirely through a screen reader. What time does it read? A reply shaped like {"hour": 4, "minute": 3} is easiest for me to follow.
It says {"hour": 4, "minute": 59}
